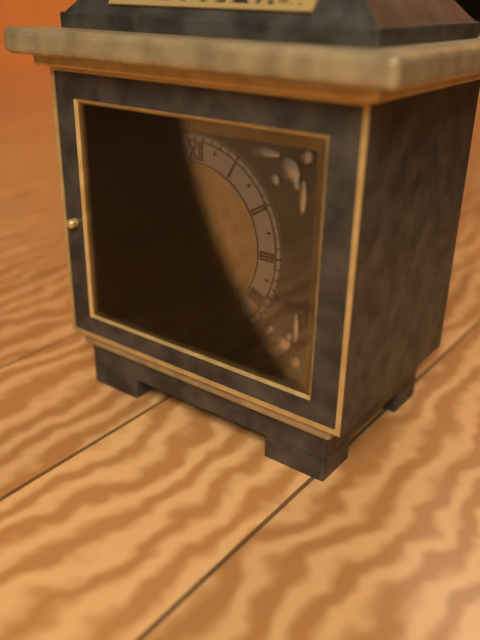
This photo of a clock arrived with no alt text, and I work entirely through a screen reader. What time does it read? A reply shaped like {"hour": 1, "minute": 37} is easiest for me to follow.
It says {"hour": 11, "minute": 24}
